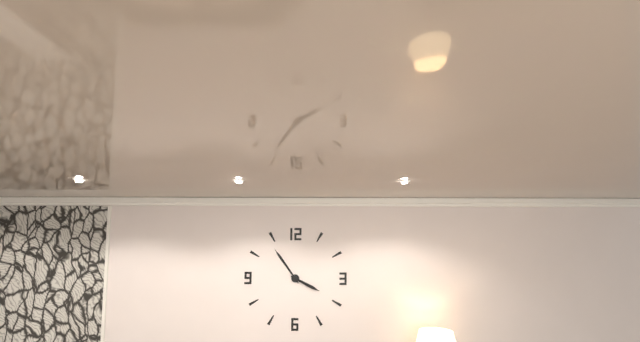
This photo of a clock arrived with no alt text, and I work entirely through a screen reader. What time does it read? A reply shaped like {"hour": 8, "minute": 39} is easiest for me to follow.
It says {"hour": 3, "minute": 54}
